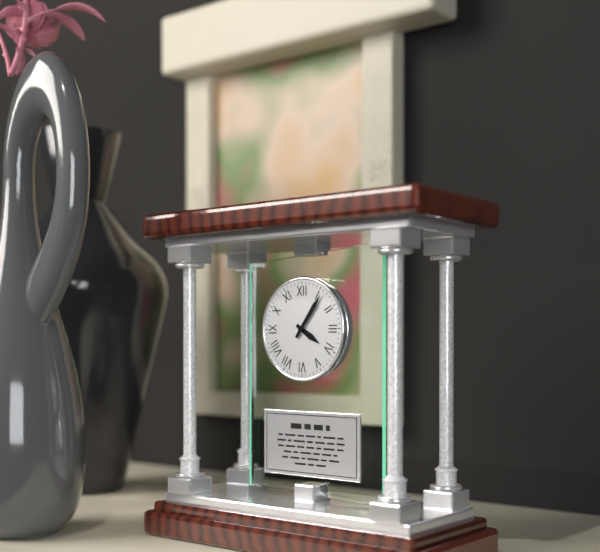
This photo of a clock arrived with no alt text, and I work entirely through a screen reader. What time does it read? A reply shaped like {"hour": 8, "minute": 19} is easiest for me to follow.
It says {"hour": 4, "minute": 6}
